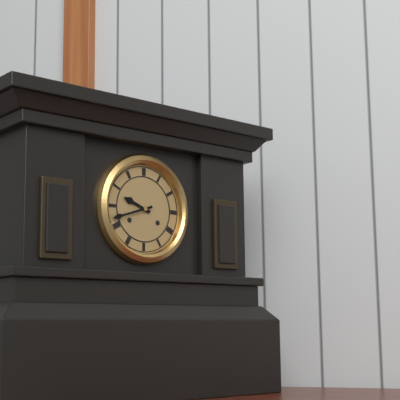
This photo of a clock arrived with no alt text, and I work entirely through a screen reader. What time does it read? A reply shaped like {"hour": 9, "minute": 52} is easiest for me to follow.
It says {"hour": 9, "minute": 42}
